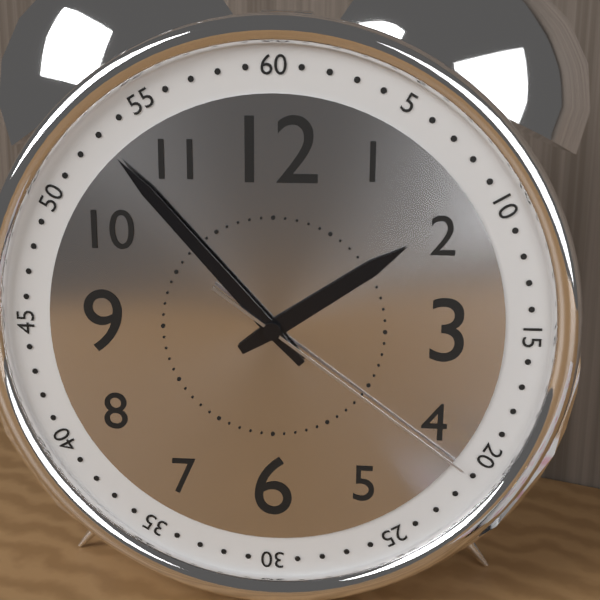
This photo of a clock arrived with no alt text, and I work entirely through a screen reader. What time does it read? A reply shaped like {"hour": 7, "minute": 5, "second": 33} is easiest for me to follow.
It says {"hour": 1, "minute": 53, "second": 21}
